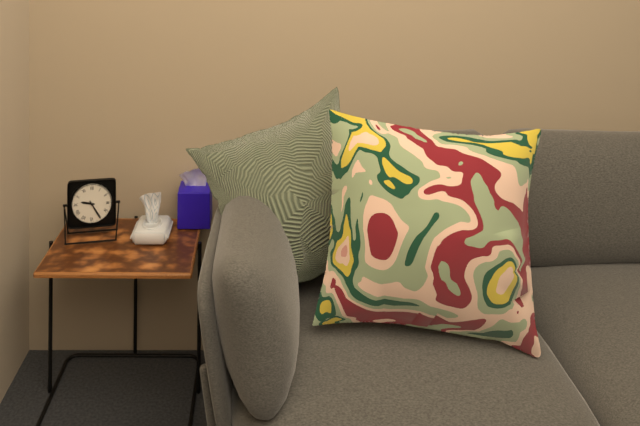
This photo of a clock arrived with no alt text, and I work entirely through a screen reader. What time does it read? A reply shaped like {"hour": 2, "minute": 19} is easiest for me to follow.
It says {"hour": 9, "minute": 25}
